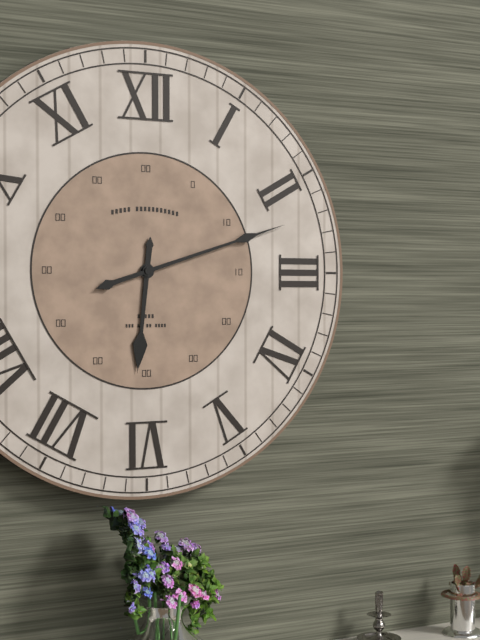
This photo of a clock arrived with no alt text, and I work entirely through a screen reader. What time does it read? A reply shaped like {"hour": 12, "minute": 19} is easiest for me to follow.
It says {"hour": 6, "minute": 12}
